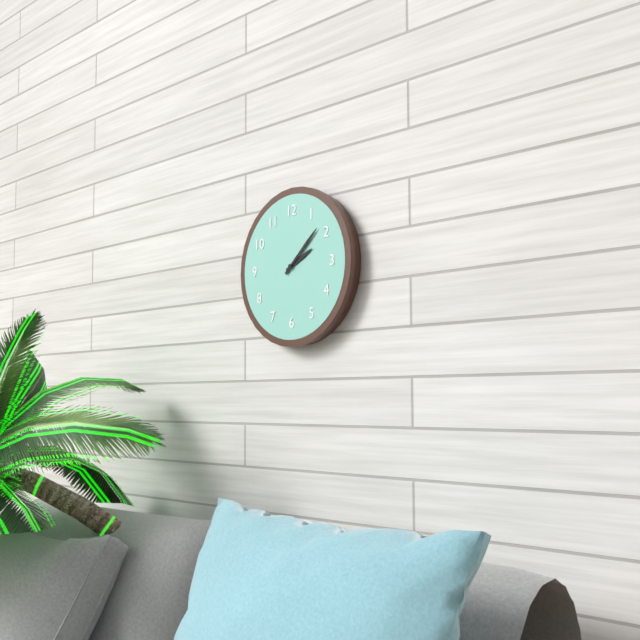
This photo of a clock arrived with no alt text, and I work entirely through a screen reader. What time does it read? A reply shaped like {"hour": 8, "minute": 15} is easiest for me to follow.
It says {"hour": 2, "minute": 8}
